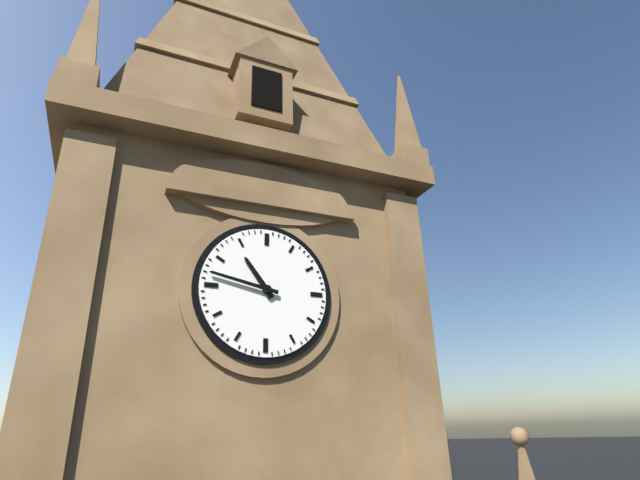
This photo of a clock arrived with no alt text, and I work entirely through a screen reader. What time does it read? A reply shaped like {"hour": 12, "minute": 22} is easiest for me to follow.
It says {"hour": 10, "minute": 47}
